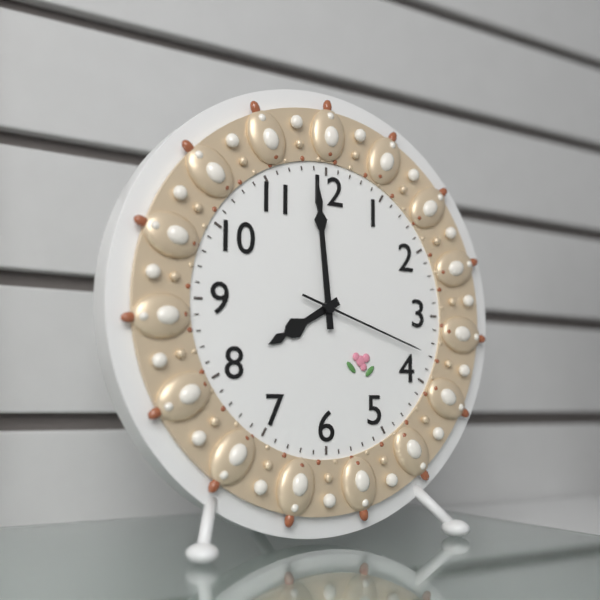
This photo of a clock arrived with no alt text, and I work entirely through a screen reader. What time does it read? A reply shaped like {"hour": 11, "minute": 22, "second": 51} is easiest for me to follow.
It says {"hour": 7, "minute": 59, "second": 18}
